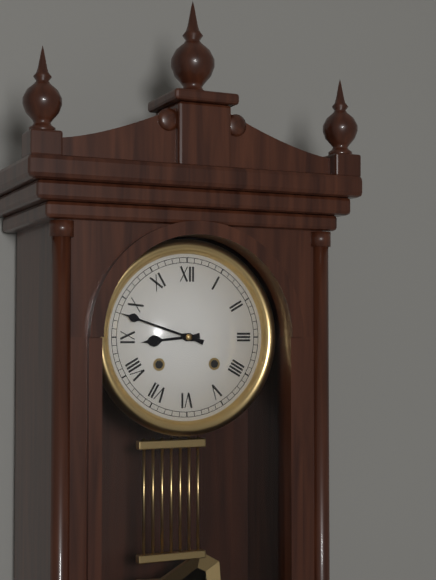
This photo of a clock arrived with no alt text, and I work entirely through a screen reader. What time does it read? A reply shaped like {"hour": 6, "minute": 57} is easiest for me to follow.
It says {"hour": 8, "minute": 48}
